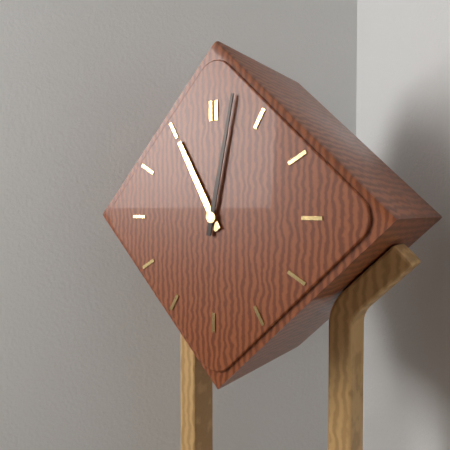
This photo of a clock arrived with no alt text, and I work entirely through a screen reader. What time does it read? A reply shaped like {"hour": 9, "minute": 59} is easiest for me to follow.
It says {"hour": 11, "minute": 2}
